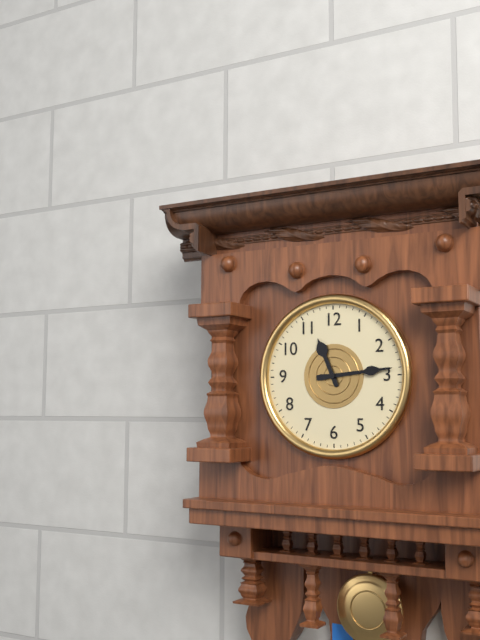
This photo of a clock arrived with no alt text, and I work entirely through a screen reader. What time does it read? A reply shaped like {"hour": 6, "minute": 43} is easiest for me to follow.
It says {"hour": 11, "minute": 14}
